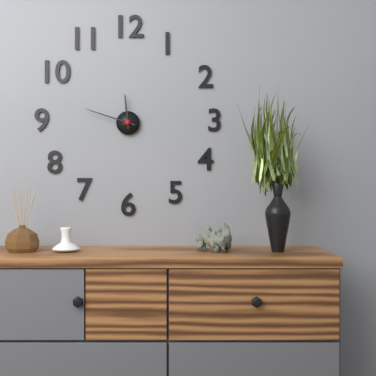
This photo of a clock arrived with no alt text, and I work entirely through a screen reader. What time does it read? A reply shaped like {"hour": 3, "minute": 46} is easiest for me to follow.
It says {"hour": 11, "minute": 48}
